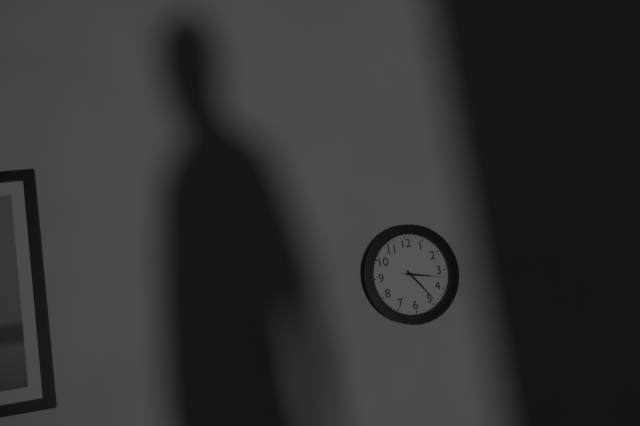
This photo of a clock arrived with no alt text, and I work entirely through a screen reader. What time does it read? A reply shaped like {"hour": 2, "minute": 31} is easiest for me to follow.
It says {"hour": 3, "minute": 24}
